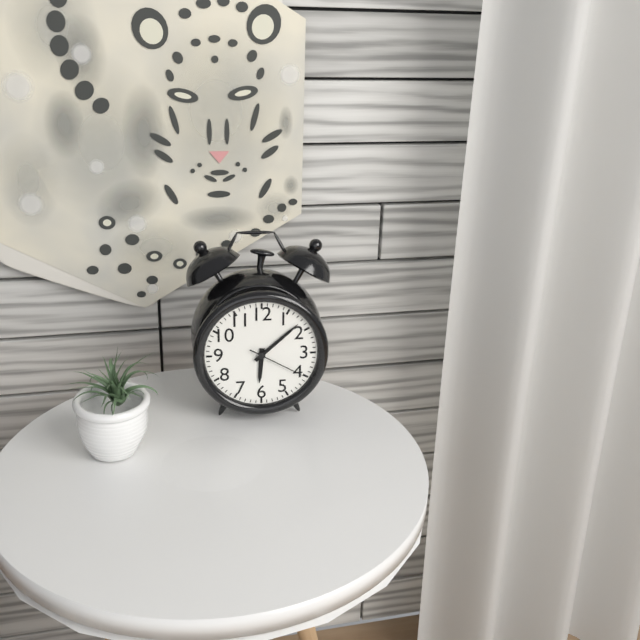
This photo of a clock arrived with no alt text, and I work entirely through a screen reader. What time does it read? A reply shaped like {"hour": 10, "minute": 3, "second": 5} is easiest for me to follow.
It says {"hour": 6, "minute": 8, "second": 20}
